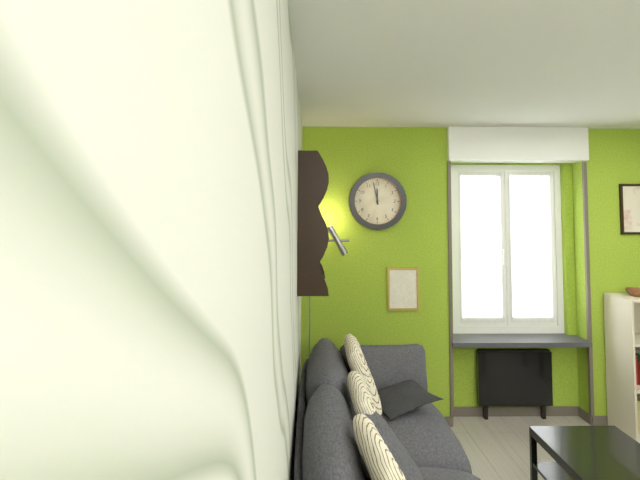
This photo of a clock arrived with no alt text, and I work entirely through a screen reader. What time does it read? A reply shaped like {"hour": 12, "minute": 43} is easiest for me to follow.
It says {"hour": 11, "minute": 58}
